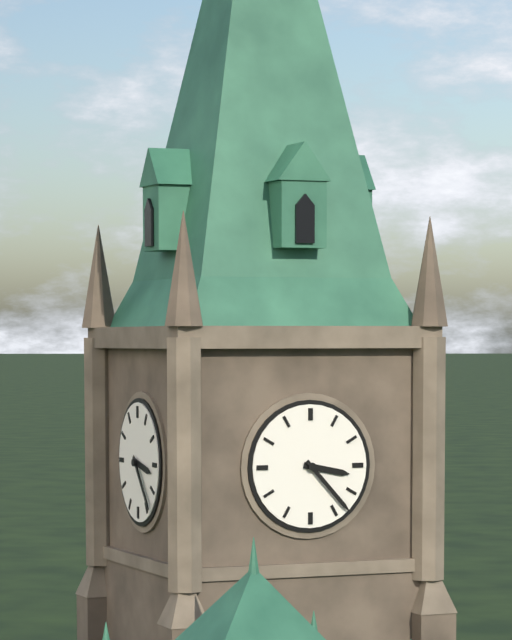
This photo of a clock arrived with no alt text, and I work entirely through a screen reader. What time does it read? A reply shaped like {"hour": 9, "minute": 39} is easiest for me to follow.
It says {"hour": 3, "minute": 23}
